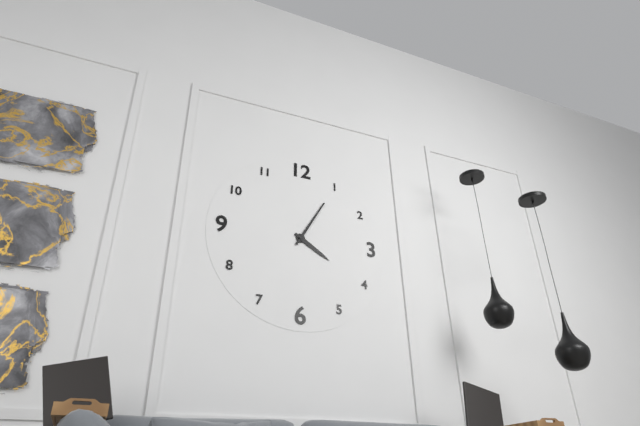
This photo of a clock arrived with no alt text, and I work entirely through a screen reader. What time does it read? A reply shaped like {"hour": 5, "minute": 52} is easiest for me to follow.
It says {"hour": 4, "minute": 5}
